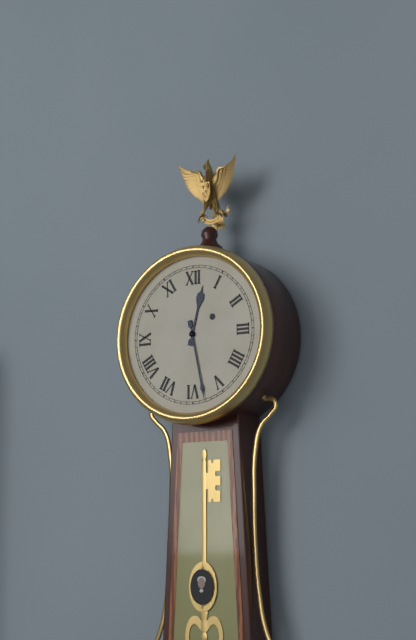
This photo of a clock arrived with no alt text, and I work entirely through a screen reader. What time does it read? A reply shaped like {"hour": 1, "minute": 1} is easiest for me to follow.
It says {"hour": 12, "minute": 28}
